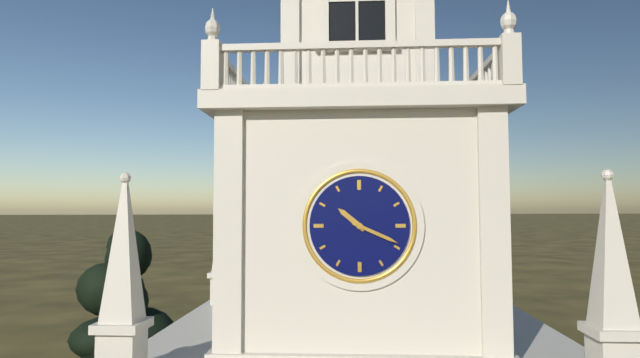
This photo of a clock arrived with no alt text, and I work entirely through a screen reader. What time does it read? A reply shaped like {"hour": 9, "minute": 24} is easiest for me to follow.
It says {"hour": 10, "minute": 19}
